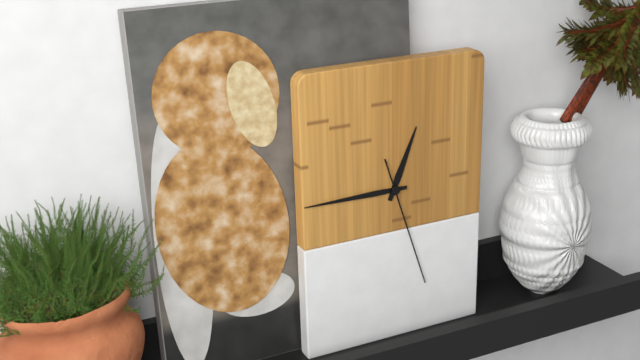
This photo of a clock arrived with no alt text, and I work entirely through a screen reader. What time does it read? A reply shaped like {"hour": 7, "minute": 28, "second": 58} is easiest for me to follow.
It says {"hour": 12, "minute": 45, "second": 27}
